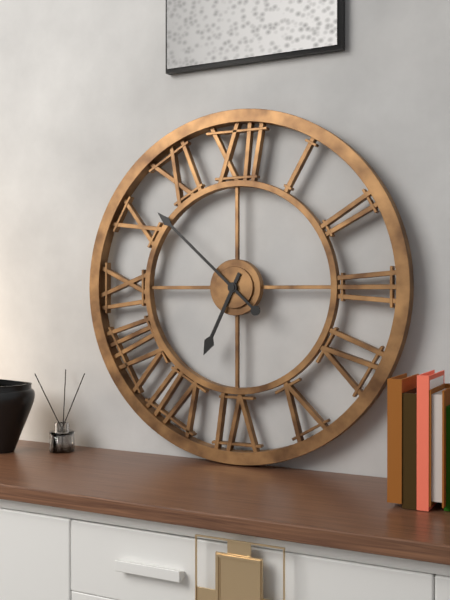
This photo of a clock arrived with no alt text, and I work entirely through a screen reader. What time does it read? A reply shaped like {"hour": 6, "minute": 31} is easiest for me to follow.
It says {"hour": 6, "minute": 52}
